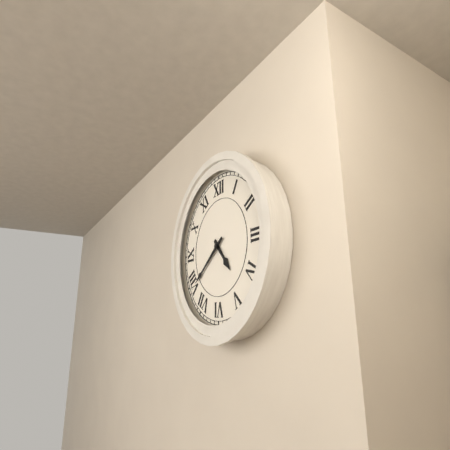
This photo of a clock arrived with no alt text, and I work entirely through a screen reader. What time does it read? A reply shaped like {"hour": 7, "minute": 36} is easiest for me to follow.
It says {"hour": 4, "minute": 39}
